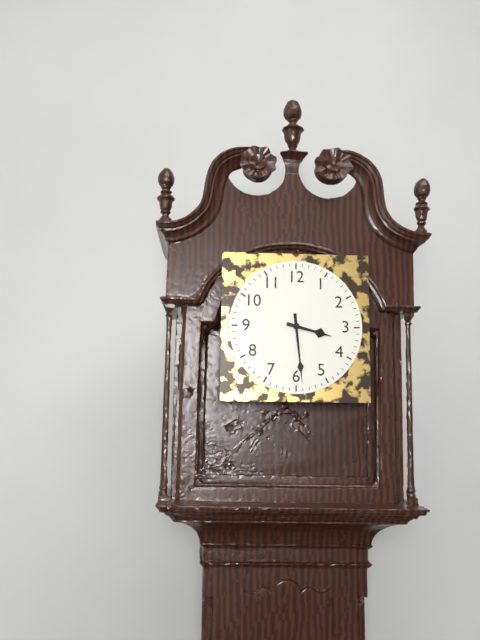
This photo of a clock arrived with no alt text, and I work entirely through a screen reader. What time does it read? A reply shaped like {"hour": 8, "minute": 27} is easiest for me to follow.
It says {"hour": 3, "minute": 29}
